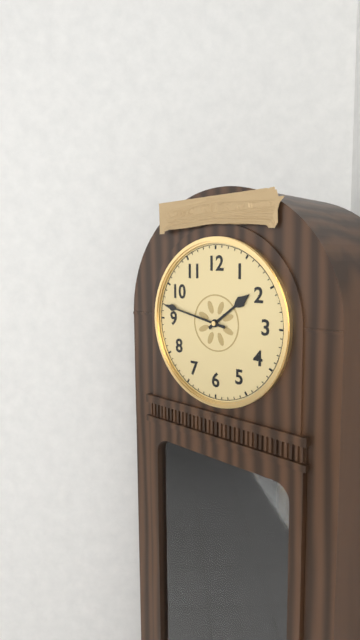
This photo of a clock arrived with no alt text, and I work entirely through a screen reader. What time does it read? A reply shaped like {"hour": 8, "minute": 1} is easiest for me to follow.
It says {"hour": 1, "minute": 47}
